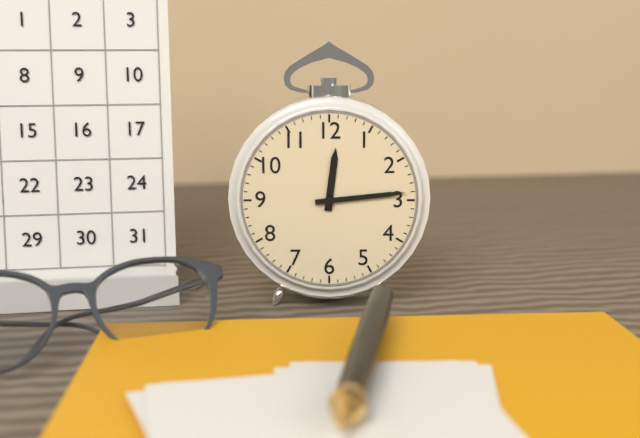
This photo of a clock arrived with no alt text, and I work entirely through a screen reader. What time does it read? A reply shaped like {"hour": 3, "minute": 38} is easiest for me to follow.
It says {"hour": 12, "minute": 14}
